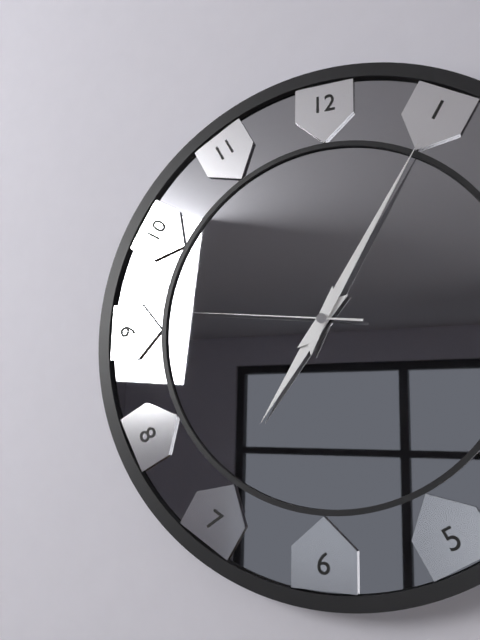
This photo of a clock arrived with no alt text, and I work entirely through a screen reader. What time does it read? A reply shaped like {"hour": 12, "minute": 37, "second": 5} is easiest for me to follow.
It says {"hour": 7, "minute": 5, "second": 46}
